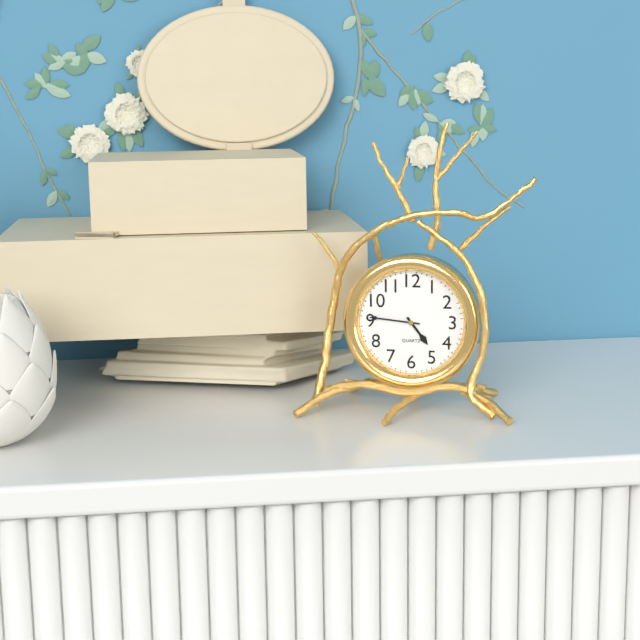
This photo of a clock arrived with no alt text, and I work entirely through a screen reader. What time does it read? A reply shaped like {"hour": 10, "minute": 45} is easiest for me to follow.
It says {"hour": 4, "minute": 46}
